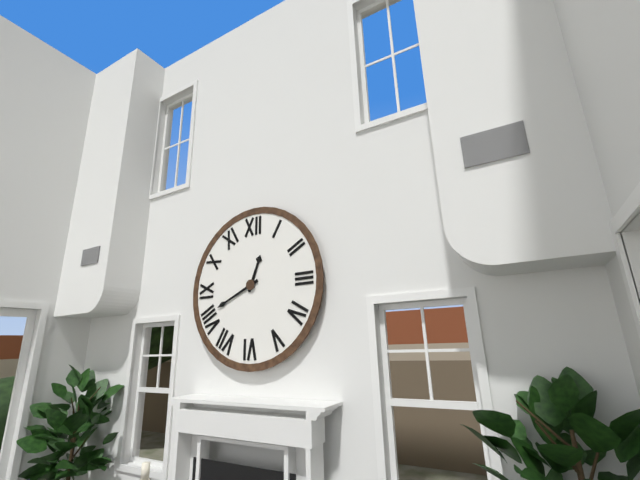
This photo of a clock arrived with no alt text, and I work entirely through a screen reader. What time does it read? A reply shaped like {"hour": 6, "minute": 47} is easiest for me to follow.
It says {"hour": 12, "minute": 41}
